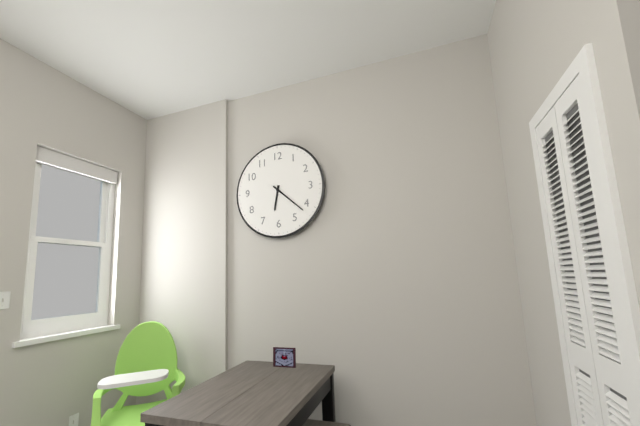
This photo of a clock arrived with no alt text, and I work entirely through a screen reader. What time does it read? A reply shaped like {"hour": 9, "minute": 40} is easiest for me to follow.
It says {"hour": 6, "minute": 22}
